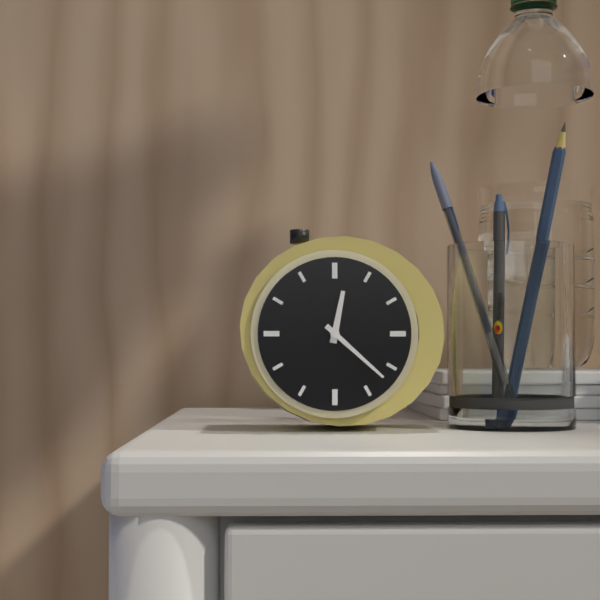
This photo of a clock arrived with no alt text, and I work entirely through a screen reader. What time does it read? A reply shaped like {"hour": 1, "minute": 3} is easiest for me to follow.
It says {"hour": 12, "minute": 22}
